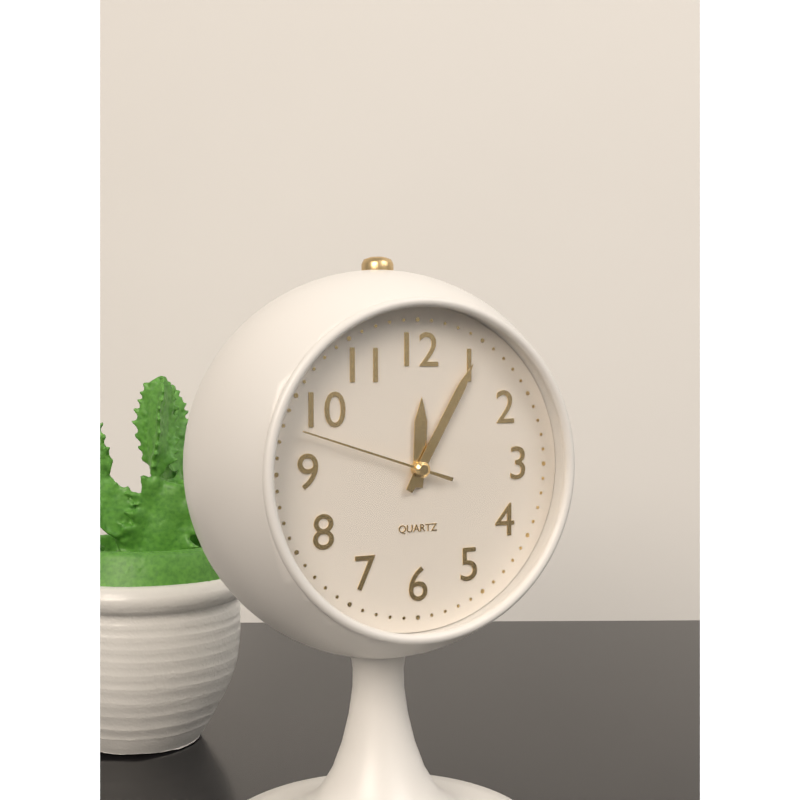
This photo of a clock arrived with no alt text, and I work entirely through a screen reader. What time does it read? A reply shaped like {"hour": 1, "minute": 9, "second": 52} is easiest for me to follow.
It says {"hour": 12, "minute": 5, "second": 48}
